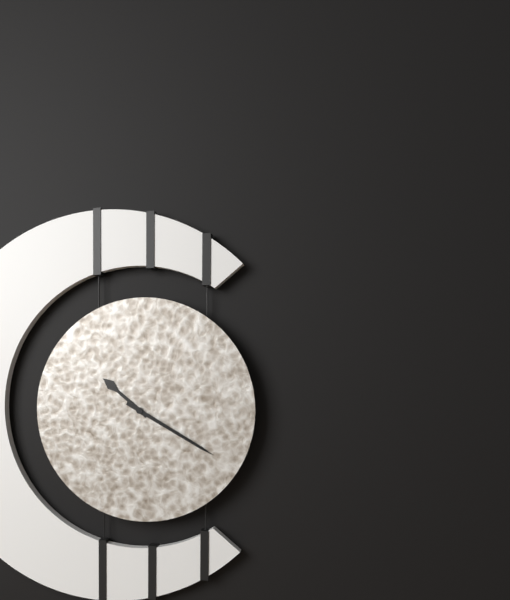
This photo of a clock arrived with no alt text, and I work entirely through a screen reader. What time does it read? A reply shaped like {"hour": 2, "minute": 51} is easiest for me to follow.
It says {"hour": 10, "minute": 20}
